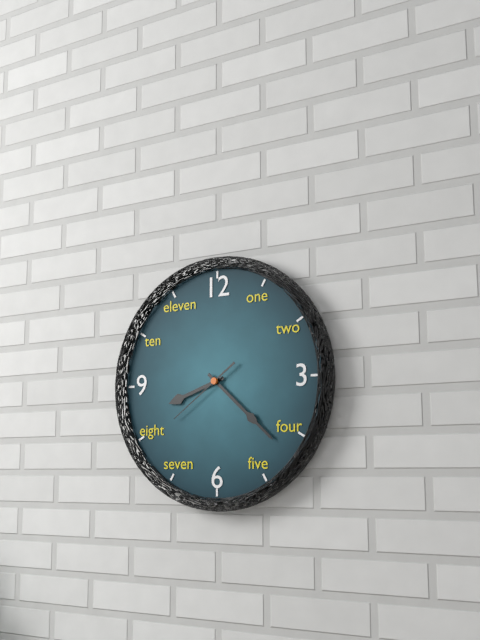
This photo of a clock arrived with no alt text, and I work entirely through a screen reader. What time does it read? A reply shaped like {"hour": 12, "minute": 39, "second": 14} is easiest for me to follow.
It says {"hour": 8, "minute": 22, "second": 39}
